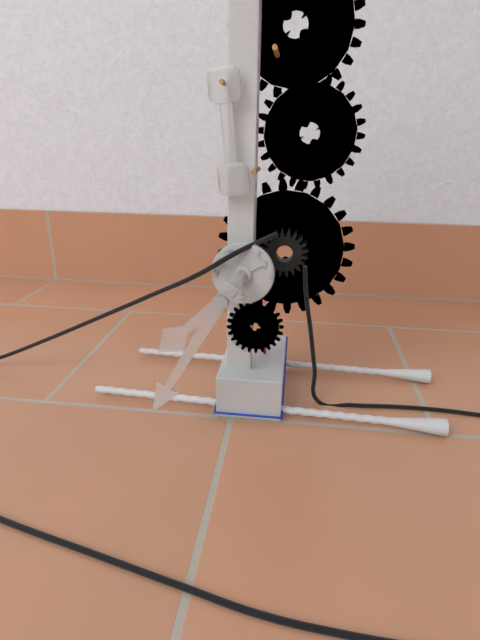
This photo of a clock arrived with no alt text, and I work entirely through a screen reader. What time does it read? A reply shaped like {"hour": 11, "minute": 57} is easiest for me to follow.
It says {"hour": 7, "minute": 35}
